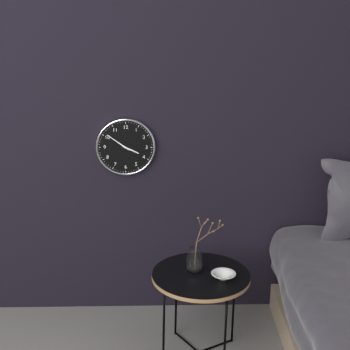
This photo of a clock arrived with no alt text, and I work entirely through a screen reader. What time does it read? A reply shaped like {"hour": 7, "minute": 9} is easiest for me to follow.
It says {"hour": 3, "minute": 51}
